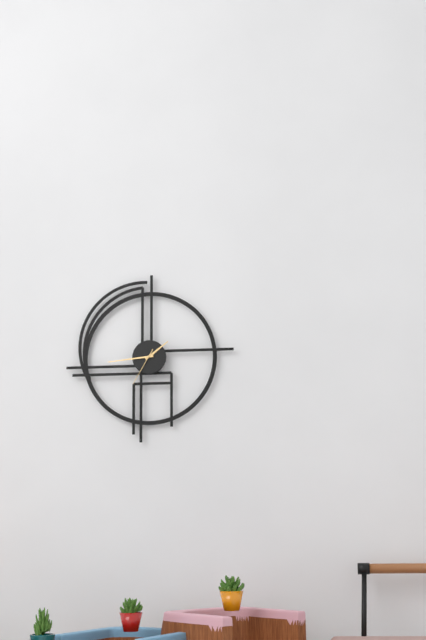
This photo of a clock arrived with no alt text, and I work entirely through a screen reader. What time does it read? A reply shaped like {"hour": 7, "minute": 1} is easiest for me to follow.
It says {"hour": 1, "minute": 44}
